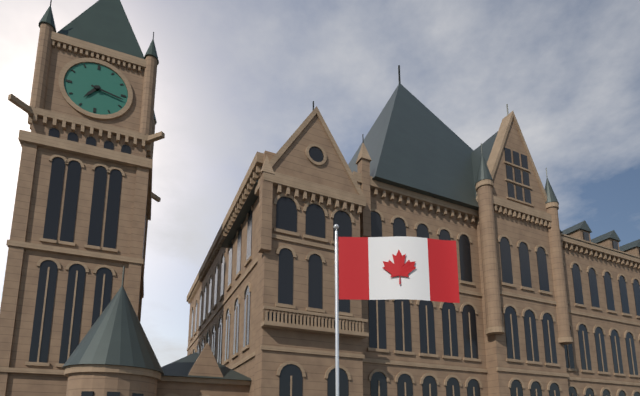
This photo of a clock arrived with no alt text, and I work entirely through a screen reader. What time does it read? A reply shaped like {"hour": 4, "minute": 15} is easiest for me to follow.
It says {"hour": 7, "minute": 17}
